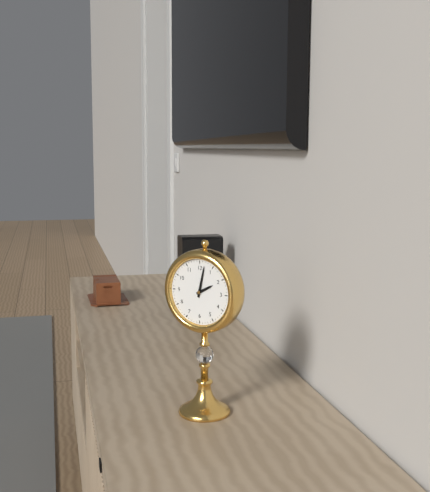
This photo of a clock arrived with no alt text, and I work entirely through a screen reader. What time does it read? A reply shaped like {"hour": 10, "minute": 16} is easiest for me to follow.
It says {"hour": 2, "minute": 2}
